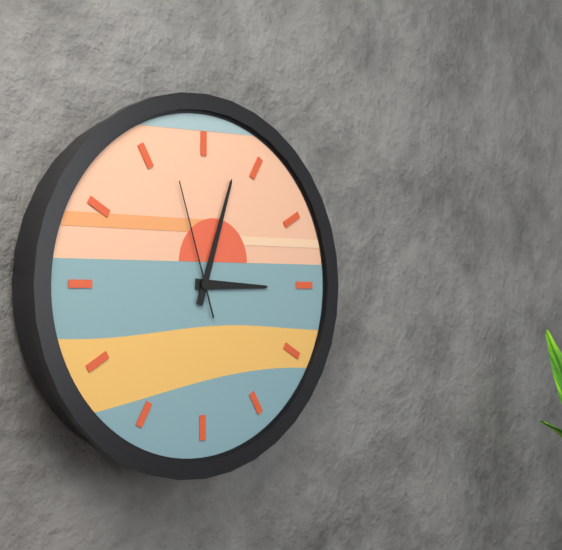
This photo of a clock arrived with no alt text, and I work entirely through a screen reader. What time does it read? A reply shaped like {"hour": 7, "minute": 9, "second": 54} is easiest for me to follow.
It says {"hour": 3, "minute": 3, "second": 57}
